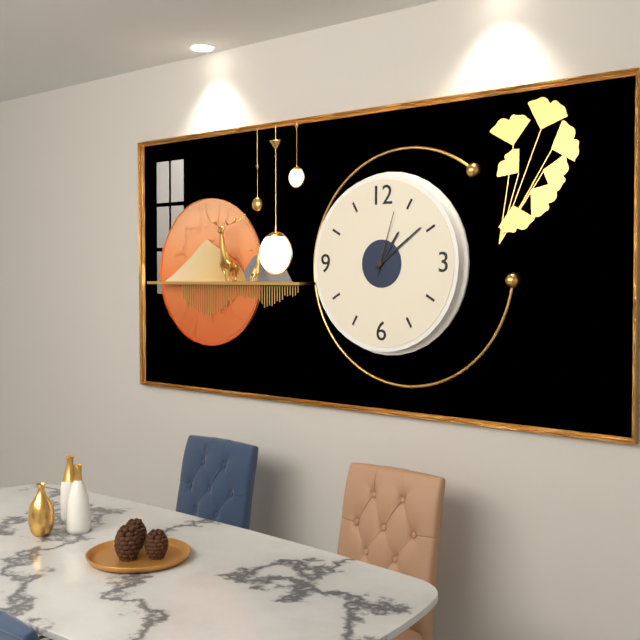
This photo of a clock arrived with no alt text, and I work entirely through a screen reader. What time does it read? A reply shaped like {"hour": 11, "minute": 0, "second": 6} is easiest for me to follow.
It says {"hour": 1, "minute": 9, "second": 3}
